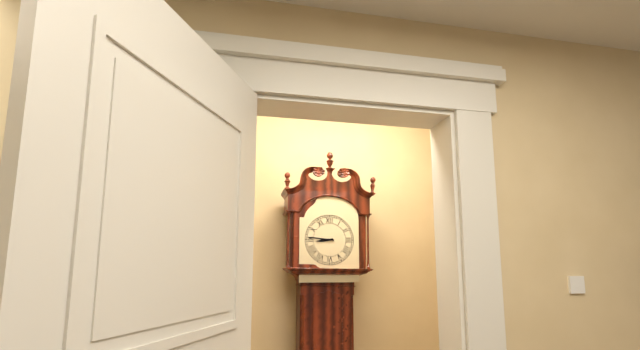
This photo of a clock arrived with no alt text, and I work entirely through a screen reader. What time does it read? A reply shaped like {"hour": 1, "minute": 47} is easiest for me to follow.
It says {"hour": 8, "minute": 46}
